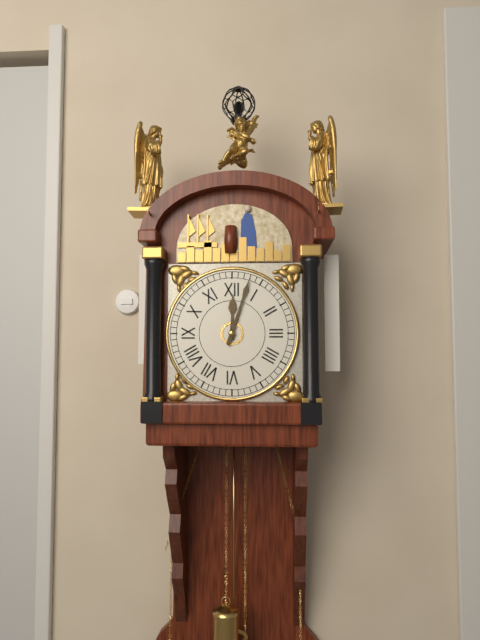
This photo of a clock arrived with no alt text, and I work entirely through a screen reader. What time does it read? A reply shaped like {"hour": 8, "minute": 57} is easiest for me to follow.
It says {"hour": 12, "minute": 3}
